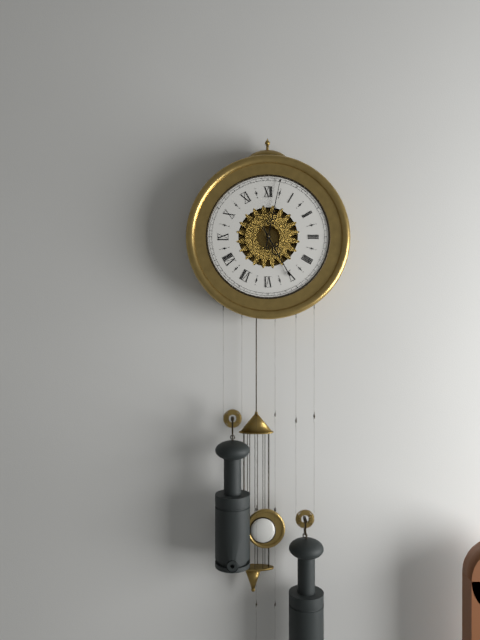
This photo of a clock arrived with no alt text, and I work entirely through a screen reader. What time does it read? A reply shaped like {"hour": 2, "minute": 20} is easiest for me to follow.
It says {"hour": 5, "minute": 2}
